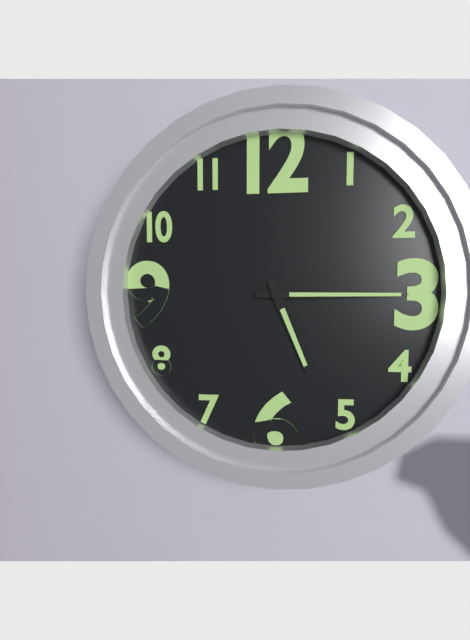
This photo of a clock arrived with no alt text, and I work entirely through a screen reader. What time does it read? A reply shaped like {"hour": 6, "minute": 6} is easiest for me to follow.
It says {"hour": 5, "minute": 15}
